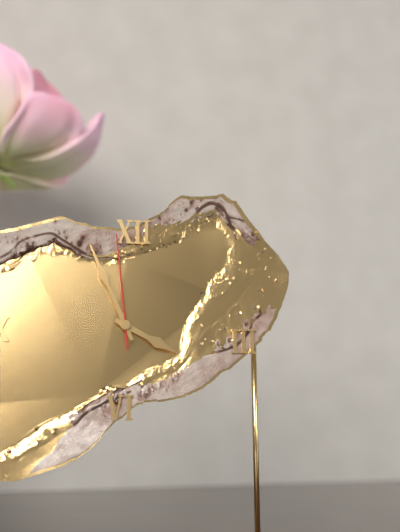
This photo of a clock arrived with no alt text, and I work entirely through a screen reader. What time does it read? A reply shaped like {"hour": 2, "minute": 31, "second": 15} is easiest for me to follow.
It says {"hour": 3, "minute": 56, "second": 59}
